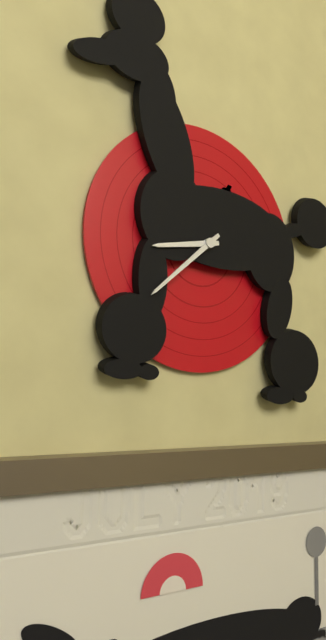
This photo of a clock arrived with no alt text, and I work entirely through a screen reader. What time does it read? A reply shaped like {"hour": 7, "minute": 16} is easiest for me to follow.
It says {"hour": 8, "minute": 38}
